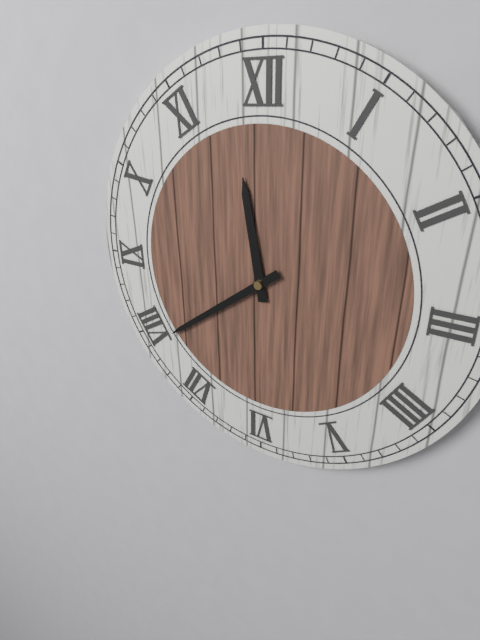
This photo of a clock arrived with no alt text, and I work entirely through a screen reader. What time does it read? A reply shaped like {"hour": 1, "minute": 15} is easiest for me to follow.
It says {"hour": 11, "minute": 39}
